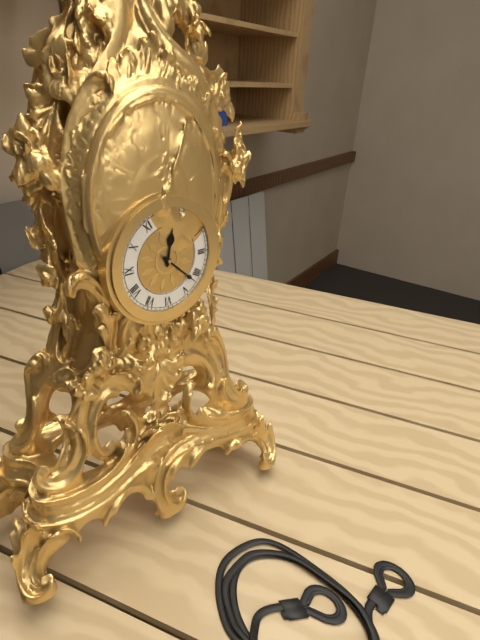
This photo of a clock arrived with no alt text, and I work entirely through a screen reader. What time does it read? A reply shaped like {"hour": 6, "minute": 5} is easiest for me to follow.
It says {"hour": 12, "minute": 22}
